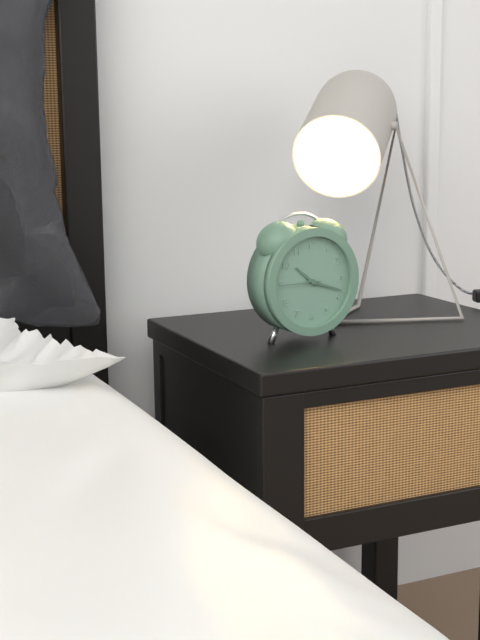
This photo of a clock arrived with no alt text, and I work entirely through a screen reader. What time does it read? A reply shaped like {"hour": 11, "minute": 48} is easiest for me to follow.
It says {"hour": 10, "minute": 18}
